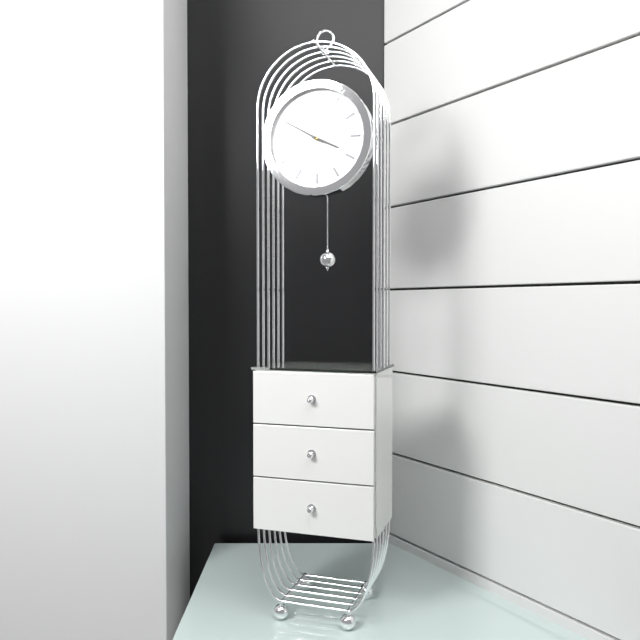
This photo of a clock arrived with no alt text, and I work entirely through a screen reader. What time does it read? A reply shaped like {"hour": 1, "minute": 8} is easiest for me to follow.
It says {"hour": 3, "minute": 50}
